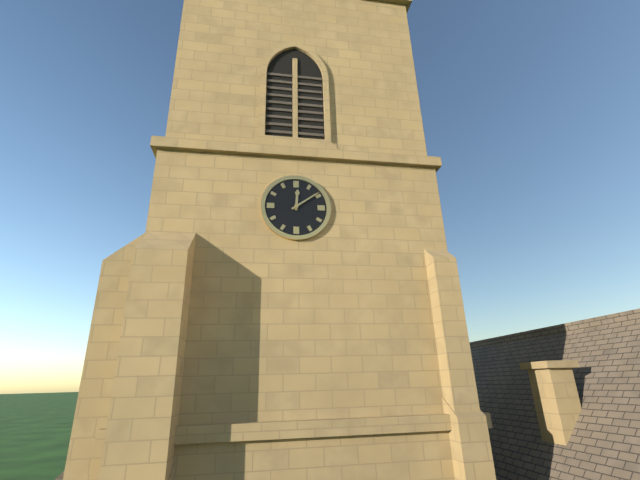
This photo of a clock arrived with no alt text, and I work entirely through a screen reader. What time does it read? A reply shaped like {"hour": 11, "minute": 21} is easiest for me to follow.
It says {"hour": 12, "minute": 9}
